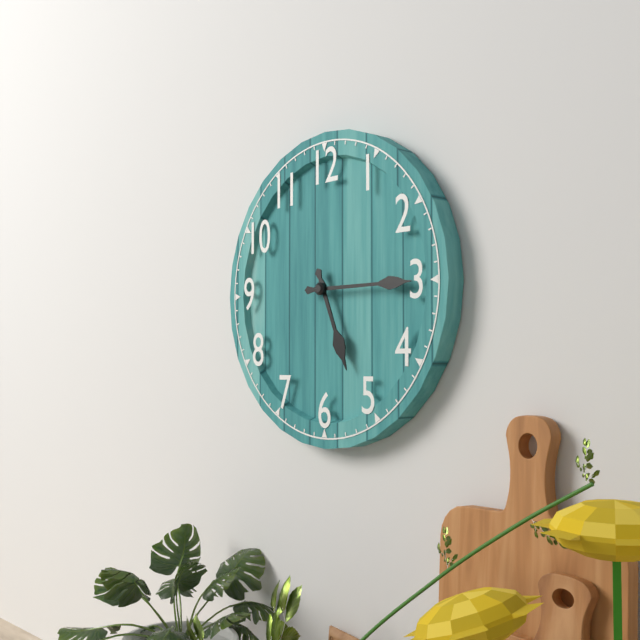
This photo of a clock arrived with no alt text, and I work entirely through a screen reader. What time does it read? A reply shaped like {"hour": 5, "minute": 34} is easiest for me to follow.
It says {"hour": 5, "minute": 15}
